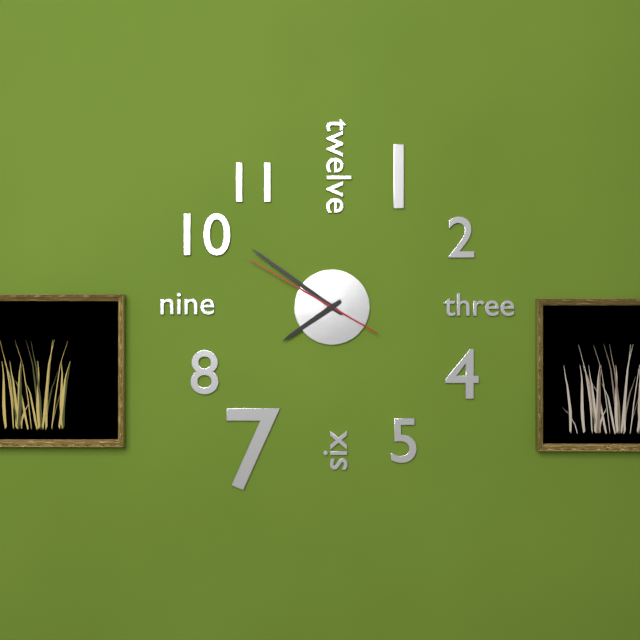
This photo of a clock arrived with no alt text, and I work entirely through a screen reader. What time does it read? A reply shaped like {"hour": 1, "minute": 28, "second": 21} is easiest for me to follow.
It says {"hour": 7, "minute": 51, "second": 50}
